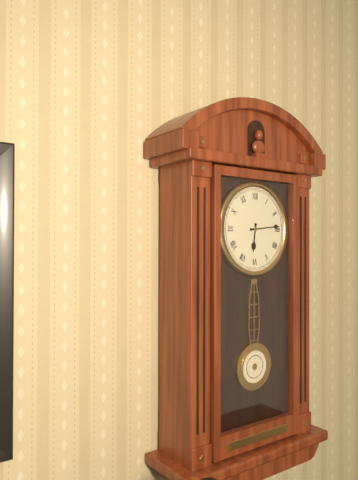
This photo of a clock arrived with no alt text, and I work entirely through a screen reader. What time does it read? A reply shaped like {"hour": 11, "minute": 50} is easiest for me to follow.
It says {"hour": 6, "minute": 14}
